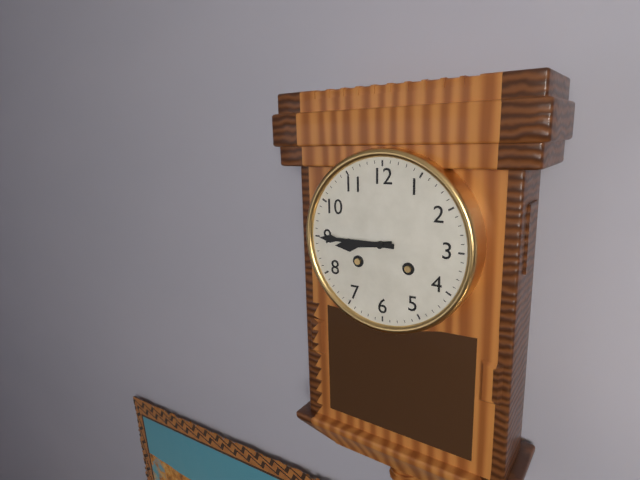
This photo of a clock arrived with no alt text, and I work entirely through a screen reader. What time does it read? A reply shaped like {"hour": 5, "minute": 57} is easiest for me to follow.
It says {"hour": 8, "minute": 45}
